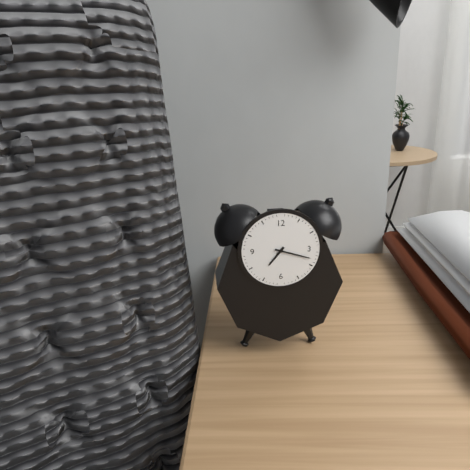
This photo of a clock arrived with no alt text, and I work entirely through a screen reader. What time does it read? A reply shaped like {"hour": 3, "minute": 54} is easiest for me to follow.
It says {"hour": 7, "minute": 18}
